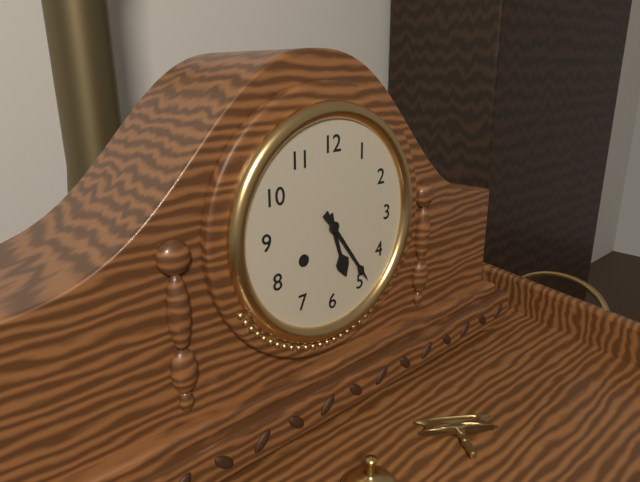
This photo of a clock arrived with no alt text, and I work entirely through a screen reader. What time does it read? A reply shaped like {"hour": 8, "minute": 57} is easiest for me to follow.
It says {"hour": 5, "minute": 24}
